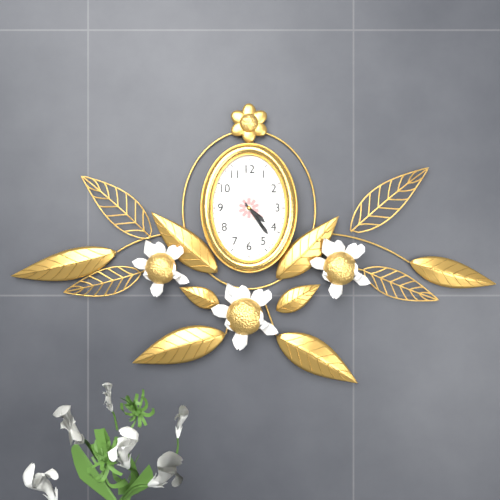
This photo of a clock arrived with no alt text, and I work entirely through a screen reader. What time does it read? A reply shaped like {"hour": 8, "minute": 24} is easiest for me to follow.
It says {"hour": 4, "minute": 24}
